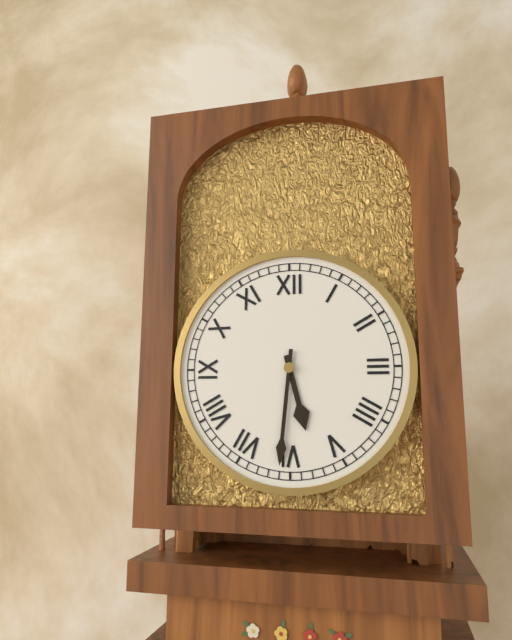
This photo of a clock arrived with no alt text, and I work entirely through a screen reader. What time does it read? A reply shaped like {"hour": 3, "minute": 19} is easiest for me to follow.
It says {"hour": 5, "minute": 31}
